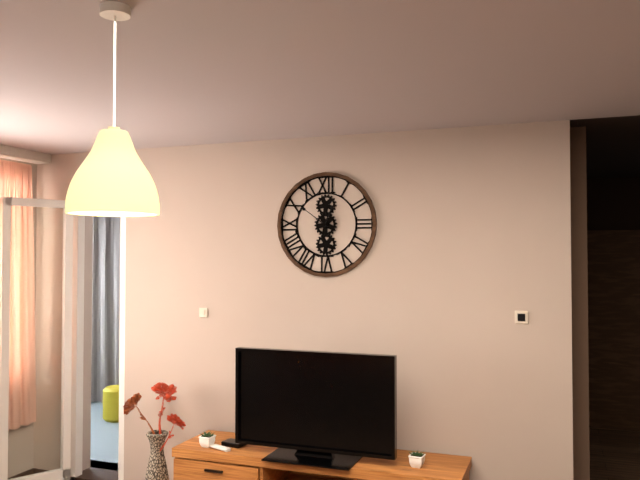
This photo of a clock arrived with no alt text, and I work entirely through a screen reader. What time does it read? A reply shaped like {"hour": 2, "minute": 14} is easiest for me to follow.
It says {"hour": 12, "minute": 51}
